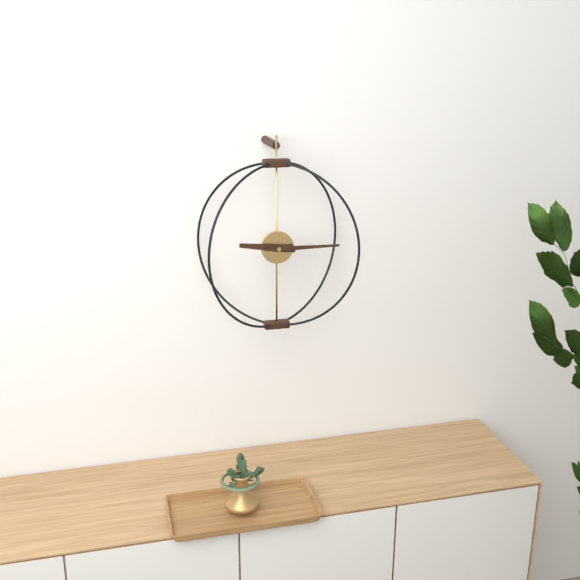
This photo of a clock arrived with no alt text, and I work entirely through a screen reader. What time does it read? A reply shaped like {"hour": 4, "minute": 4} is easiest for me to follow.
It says {"hour": 9, "minute": 15}
